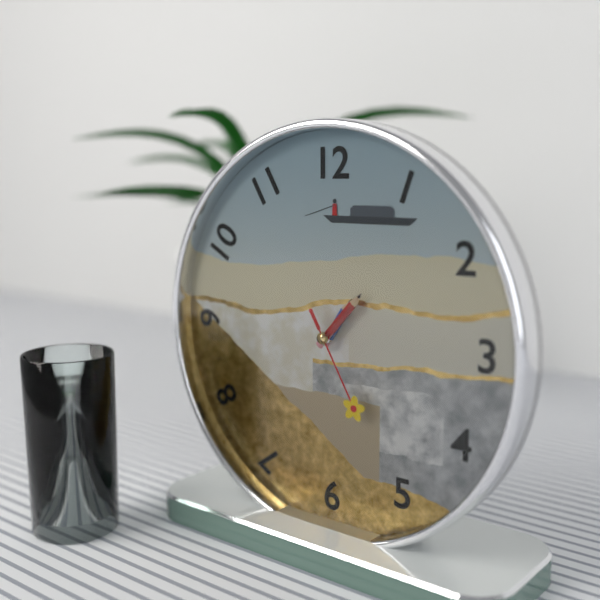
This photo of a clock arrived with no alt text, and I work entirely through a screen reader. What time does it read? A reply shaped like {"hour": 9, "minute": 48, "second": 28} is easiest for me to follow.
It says {"hour": 1, "minute": 7, "second": 25}
